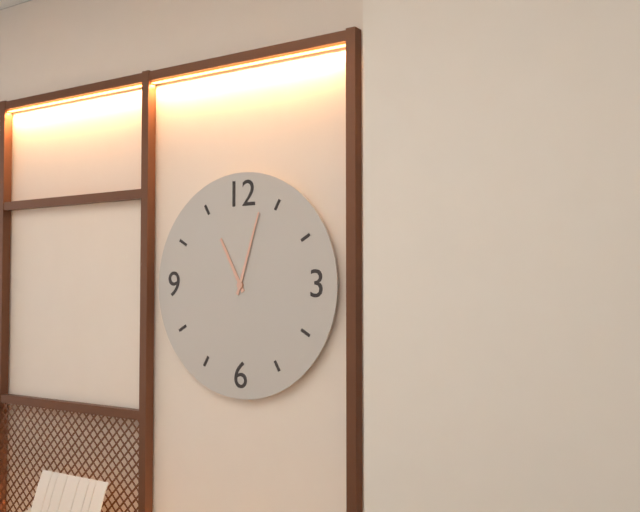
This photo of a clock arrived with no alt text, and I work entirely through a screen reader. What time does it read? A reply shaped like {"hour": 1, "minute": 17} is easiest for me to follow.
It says {"hour": 11, "minute": 3}
